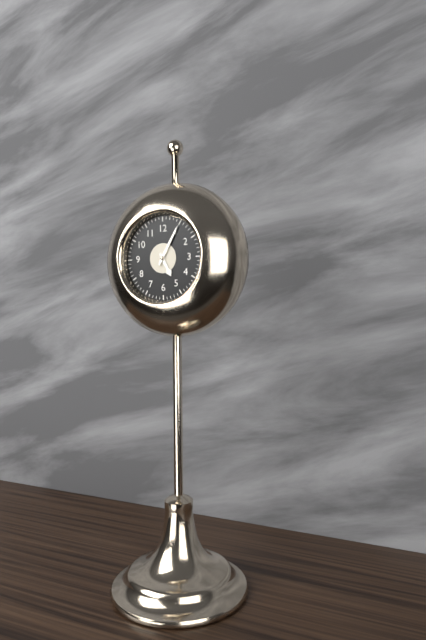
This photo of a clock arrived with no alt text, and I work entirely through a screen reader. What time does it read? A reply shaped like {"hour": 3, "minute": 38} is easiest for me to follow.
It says {"hour": 5, "minute": 5}
